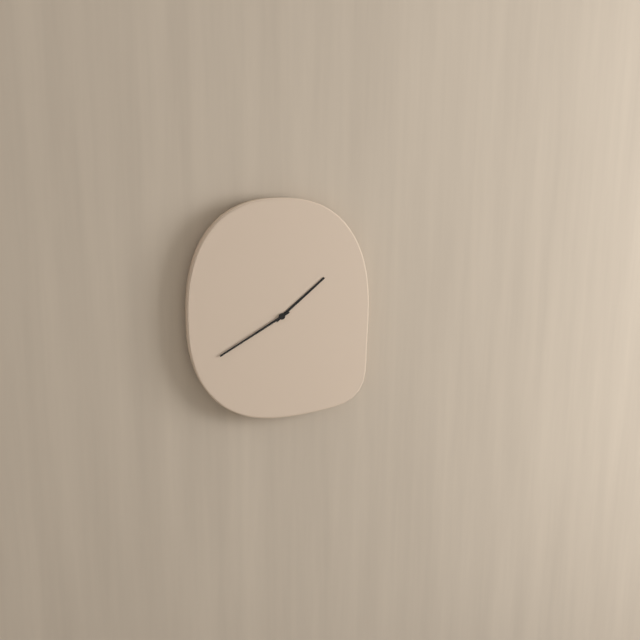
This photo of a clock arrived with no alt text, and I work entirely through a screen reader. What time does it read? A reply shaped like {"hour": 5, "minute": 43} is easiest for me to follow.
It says {"hour": 1, "minute": 40}
